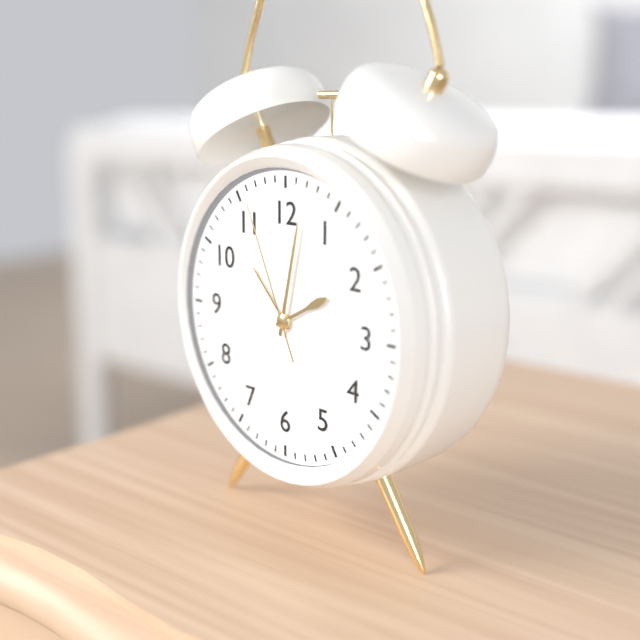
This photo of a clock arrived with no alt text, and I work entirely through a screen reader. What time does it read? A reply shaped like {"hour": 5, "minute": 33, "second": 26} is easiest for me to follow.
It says {"hour": 2, "minute": 2, "second": 56}
